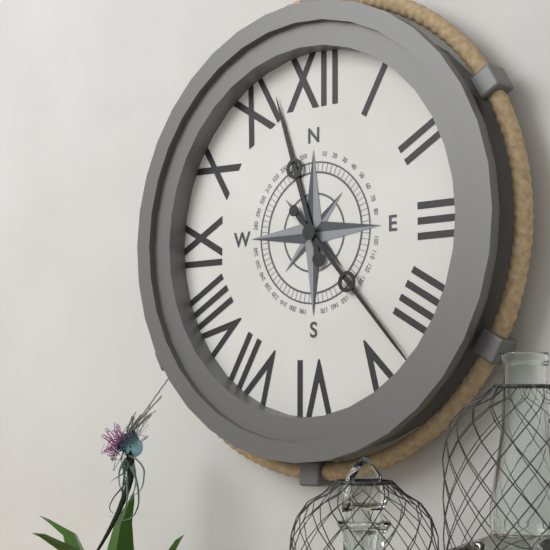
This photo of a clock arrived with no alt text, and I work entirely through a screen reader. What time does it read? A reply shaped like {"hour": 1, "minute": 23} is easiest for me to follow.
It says {"hour": 11, "minute": 23}
